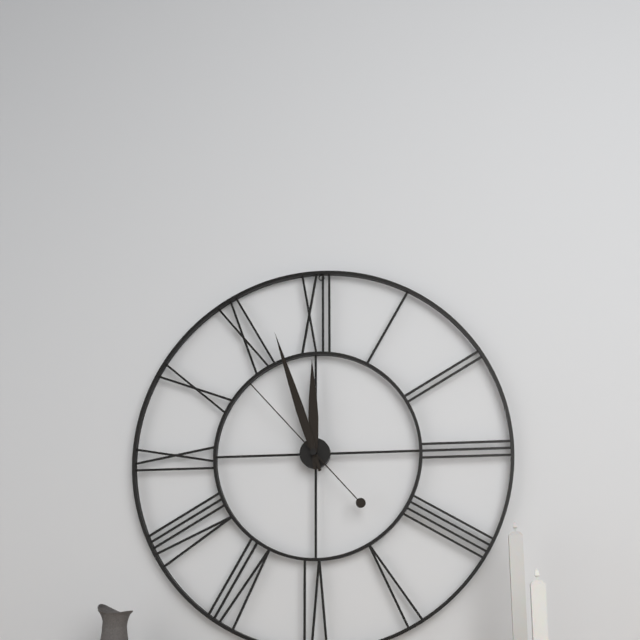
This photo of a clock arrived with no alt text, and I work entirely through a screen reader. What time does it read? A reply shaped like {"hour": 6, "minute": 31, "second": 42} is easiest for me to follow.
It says {"hour": 11, "minute": 57, "second": 53}
